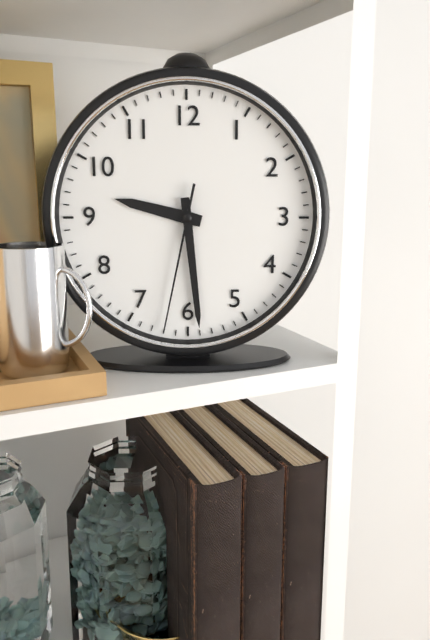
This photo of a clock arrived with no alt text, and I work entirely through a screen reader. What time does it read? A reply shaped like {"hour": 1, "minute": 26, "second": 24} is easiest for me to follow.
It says {"hour": 9, "minute": 29, "second": 32}
